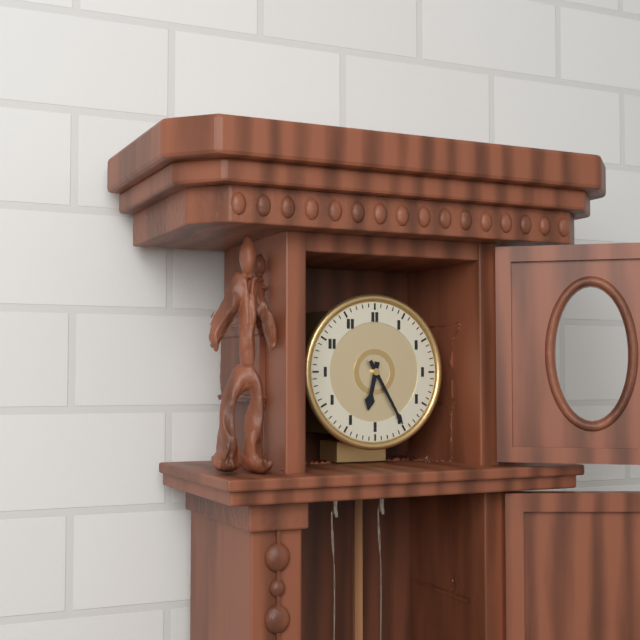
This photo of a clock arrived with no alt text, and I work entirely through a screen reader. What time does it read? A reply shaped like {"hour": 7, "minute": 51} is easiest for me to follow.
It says {"hour": 6, "minute": 25}
